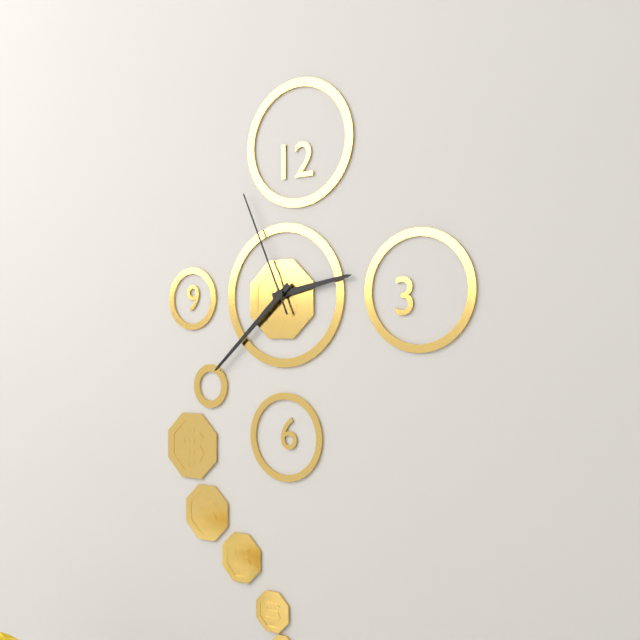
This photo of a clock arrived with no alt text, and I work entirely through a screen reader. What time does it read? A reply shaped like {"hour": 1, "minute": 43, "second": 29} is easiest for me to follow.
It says {"hour": 2, "minute": 38, "second": 56}
